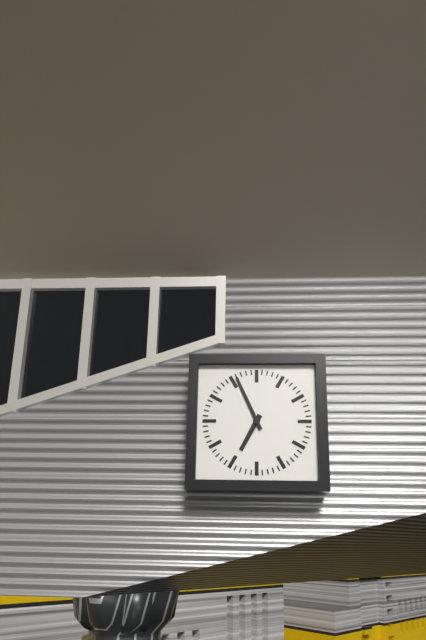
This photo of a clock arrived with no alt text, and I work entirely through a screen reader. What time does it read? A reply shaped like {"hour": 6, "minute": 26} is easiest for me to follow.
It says {"hour": 6, "minute": 56}
